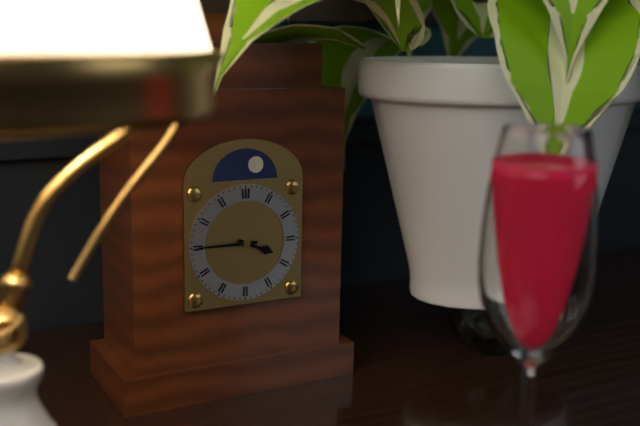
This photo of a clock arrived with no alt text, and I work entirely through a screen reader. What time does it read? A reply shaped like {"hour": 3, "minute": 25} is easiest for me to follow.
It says {"hour": 3, "minute": 45}
